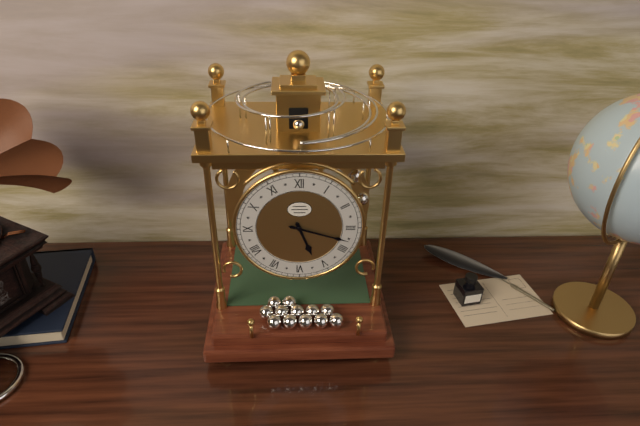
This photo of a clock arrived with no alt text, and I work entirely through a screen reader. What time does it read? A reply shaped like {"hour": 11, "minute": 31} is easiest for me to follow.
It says {"hour": 5, "minute": 18}
